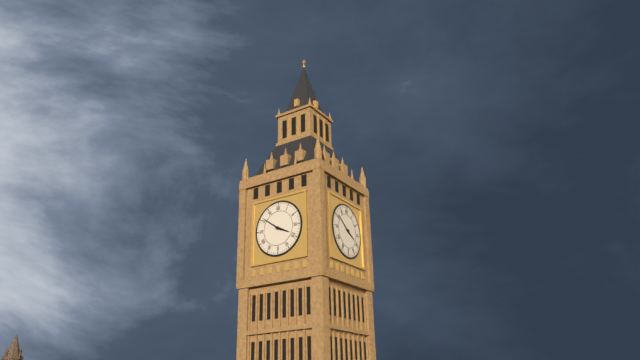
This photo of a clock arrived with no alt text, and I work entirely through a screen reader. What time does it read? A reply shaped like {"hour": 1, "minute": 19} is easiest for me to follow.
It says {"hour": 3, "minute": 51}
